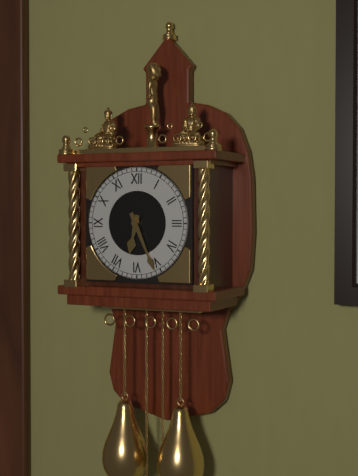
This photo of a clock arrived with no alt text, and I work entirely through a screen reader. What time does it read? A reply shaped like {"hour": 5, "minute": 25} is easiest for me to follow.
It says {"hour": 6, "minute": 26}
